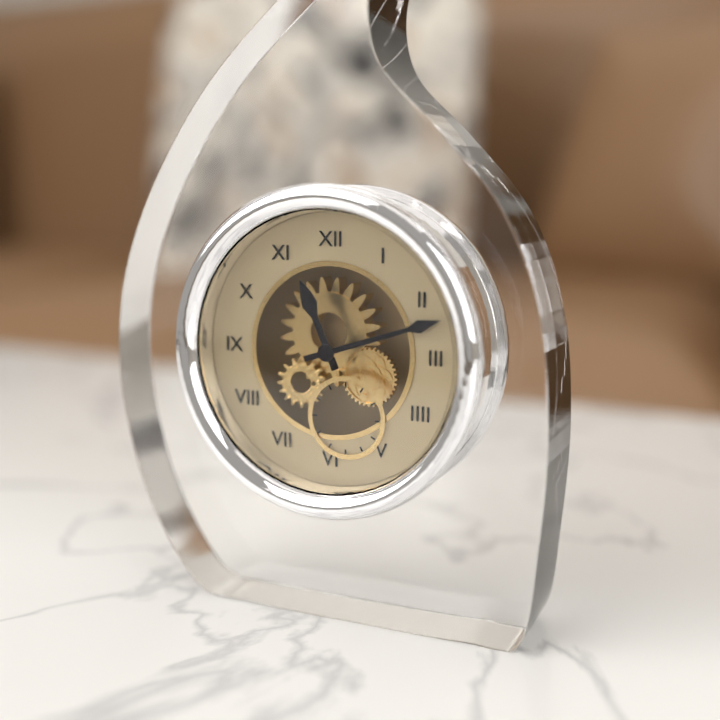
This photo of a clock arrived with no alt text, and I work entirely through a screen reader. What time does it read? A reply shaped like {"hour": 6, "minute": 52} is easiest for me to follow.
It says {"hour": 11, "minute": 12}
